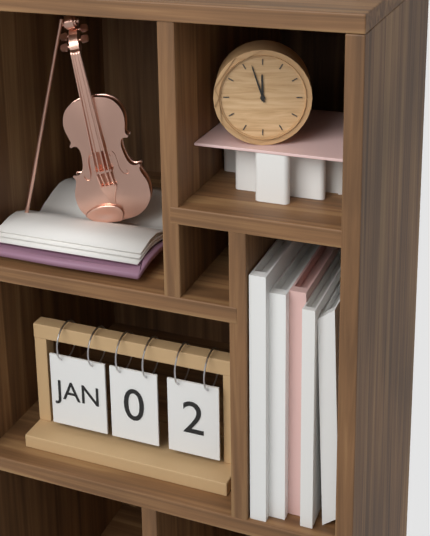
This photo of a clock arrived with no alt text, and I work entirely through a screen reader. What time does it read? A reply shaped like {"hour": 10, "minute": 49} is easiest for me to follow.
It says {"hour": 11, "minute": 57}
